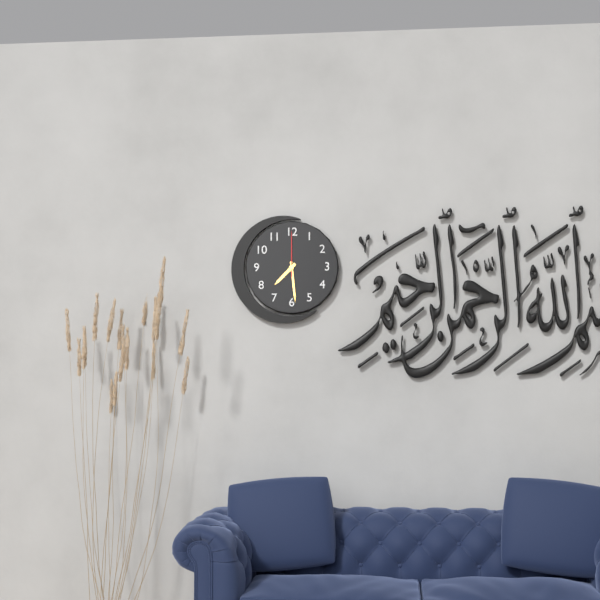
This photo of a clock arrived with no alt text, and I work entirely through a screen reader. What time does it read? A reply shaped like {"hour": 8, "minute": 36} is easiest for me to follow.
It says {"hour": 7, "minute": 29}
